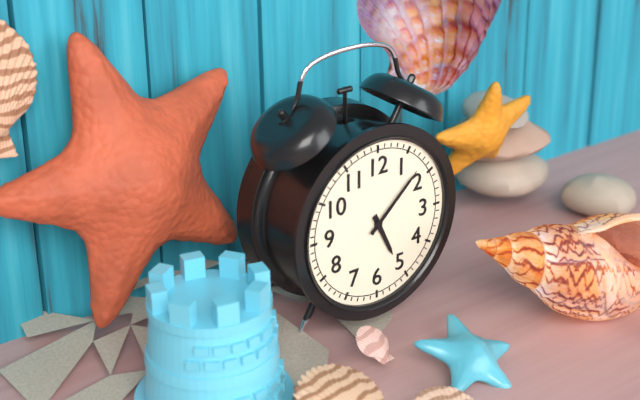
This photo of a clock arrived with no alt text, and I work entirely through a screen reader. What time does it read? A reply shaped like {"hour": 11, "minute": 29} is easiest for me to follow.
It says {"hour": 5, "minute": 8}
